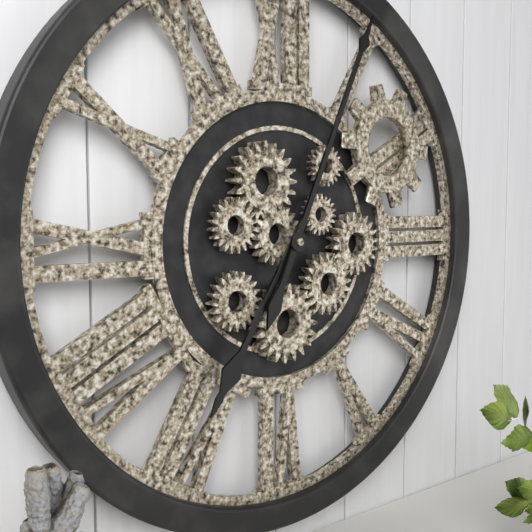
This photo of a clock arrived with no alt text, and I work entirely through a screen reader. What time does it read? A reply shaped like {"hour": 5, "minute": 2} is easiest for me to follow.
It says {"hour": 7, "minute": 4}
